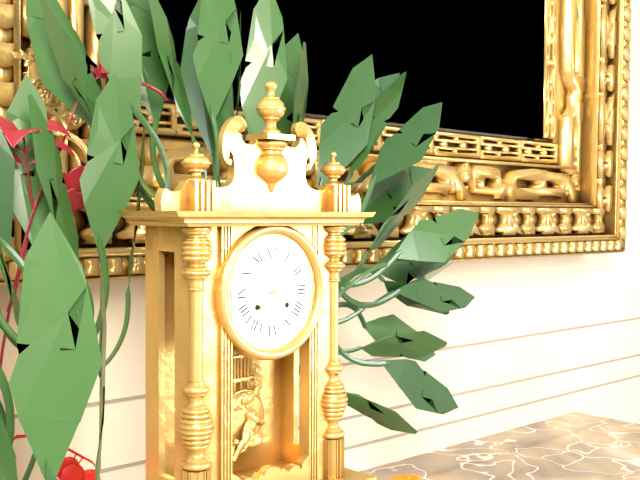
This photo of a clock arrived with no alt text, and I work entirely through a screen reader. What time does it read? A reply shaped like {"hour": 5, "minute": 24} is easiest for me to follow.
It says {"hour": 7, "minute": 17}
